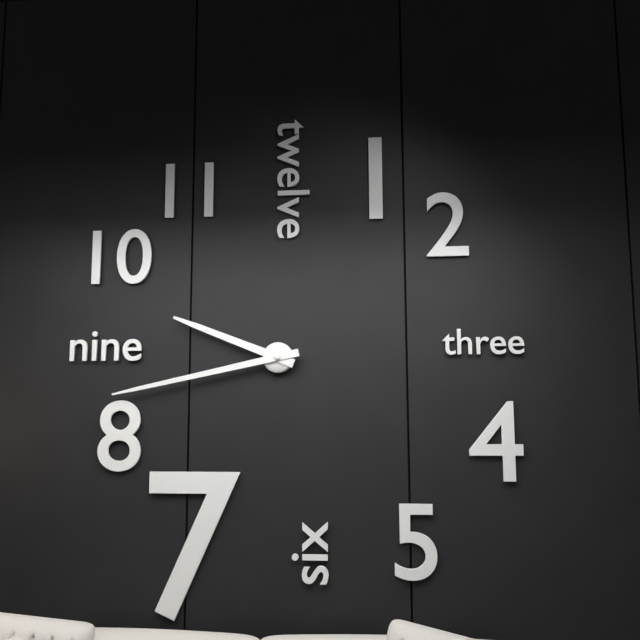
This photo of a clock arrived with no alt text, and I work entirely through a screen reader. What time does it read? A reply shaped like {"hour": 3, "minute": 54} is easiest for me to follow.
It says {"hour": 9, "minute": 43}
